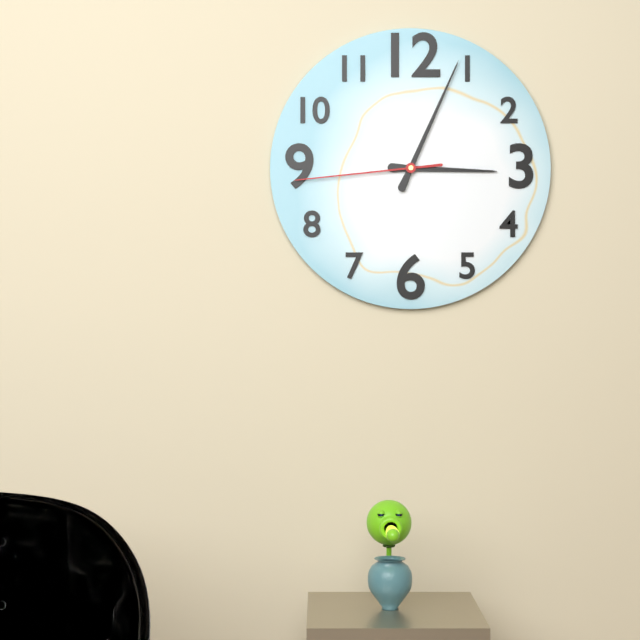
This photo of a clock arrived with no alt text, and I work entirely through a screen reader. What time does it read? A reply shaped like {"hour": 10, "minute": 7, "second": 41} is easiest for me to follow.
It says {"hour": 3, "minute": 4, "second": 44}
